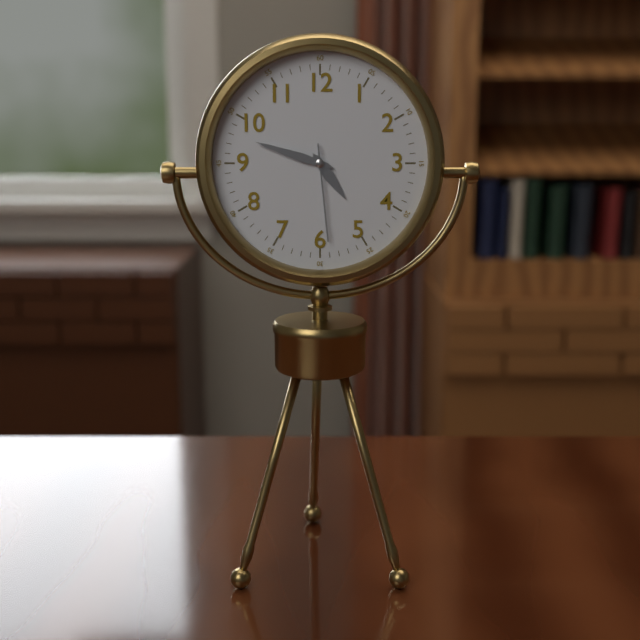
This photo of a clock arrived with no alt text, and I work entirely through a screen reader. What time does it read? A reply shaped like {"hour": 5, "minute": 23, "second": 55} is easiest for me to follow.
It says {"hour": 4, "minute": 48, "second": 29}
